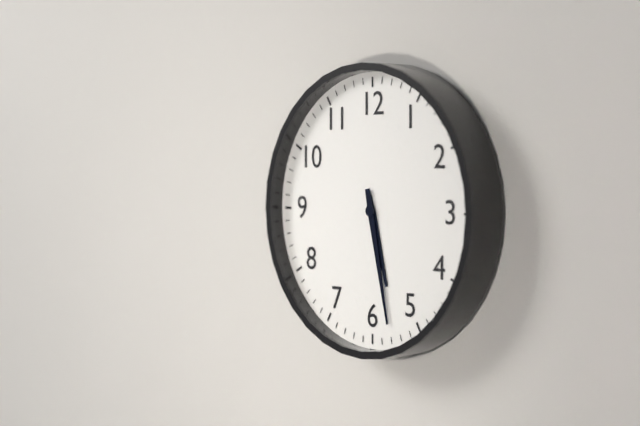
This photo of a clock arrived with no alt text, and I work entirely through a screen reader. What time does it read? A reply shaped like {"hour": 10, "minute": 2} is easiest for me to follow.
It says {"hour": 5, "minute": 28}
